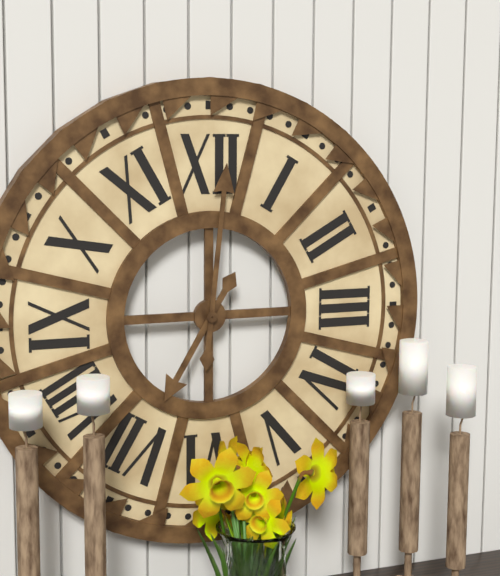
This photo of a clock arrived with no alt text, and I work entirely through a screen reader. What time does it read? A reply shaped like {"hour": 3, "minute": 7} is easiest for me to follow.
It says {"hour": 7, "minute": 1}
